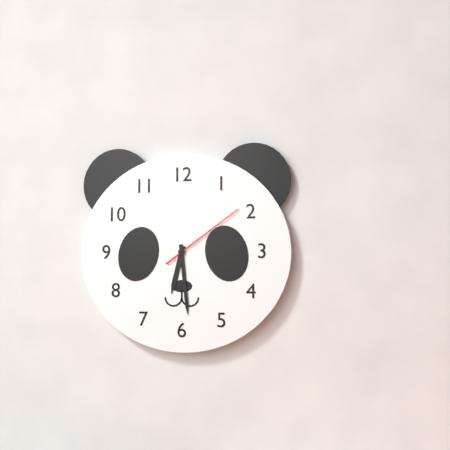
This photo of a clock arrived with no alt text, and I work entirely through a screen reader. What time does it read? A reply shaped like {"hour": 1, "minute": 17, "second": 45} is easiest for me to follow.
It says {"hour": 6, "minute": 29, "second": 9}
